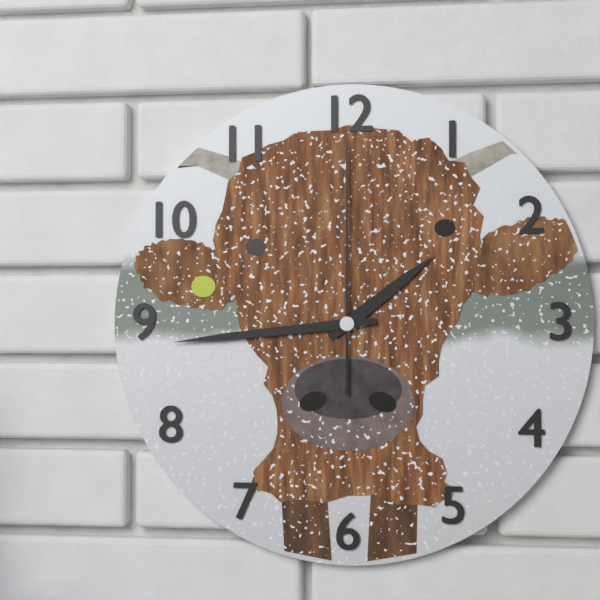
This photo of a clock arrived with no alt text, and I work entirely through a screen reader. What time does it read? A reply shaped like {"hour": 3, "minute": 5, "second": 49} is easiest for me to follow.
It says {"hour": 1, "minute": 44, "second": 0}
